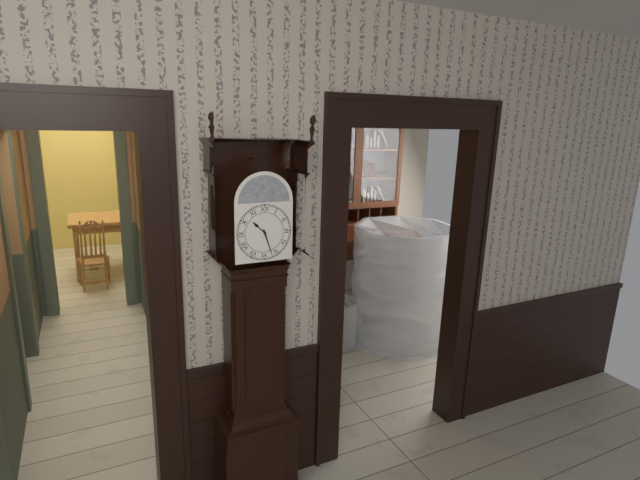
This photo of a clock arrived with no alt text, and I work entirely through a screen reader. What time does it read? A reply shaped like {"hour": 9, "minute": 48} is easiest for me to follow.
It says {"hour": 10, "minute": 27}
